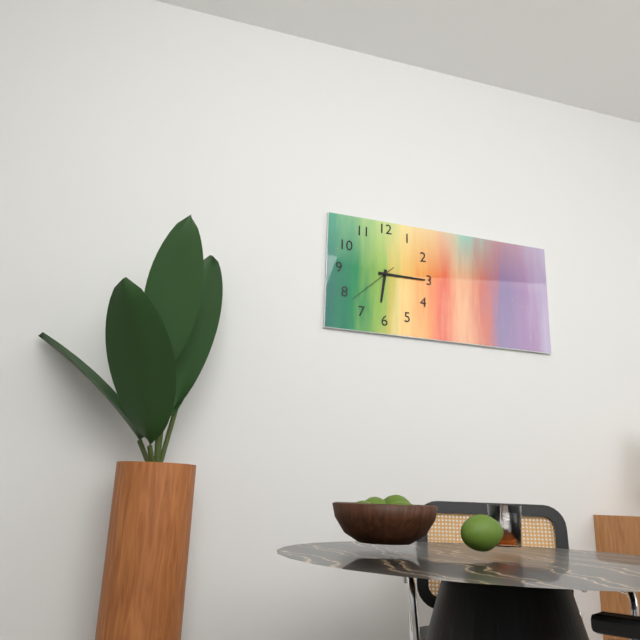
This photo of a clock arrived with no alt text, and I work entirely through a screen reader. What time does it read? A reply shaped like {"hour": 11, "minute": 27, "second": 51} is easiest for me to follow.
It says {"hour": 6, "minute": 15, "second": 38}
